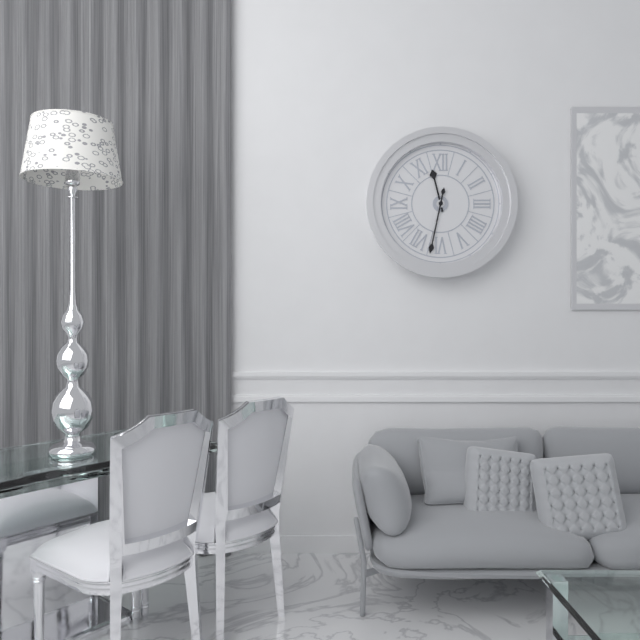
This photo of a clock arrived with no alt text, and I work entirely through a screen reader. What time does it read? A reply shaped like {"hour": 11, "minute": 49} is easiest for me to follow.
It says {"hour": 11, "minute": 32}
